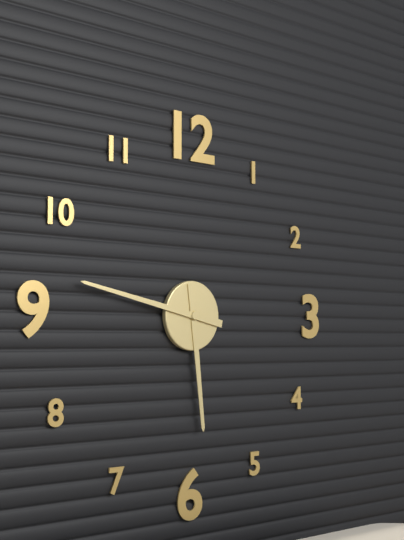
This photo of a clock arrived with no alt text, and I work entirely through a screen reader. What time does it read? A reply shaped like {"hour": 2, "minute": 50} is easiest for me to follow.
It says {"hour": 5, "minute": 47}
